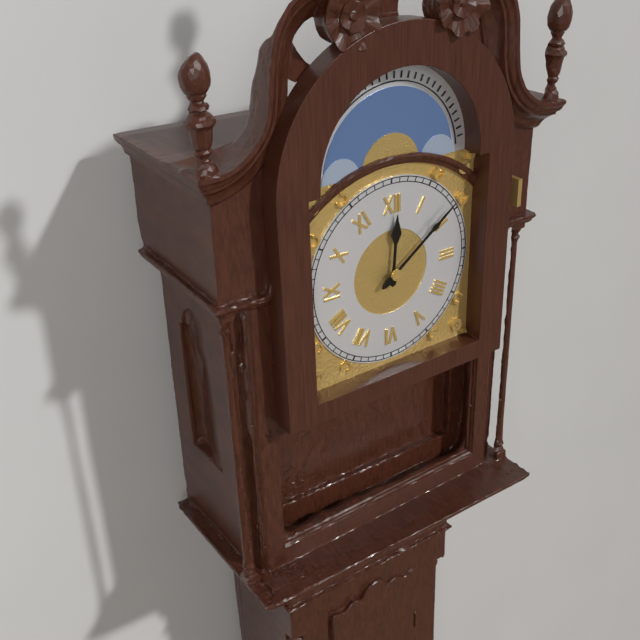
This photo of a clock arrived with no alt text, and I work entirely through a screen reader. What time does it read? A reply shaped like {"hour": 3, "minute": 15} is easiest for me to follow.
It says {"hour": 12, "minute": 9}
